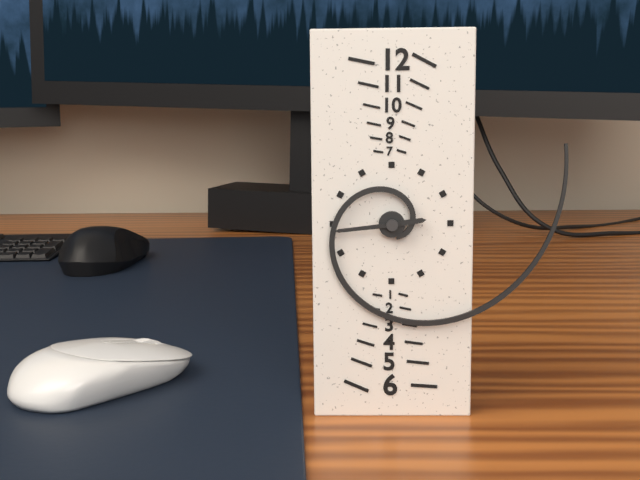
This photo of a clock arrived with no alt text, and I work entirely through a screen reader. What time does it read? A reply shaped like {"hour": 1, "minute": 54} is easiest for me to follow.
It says {"hour": 2, "minute": 44}
